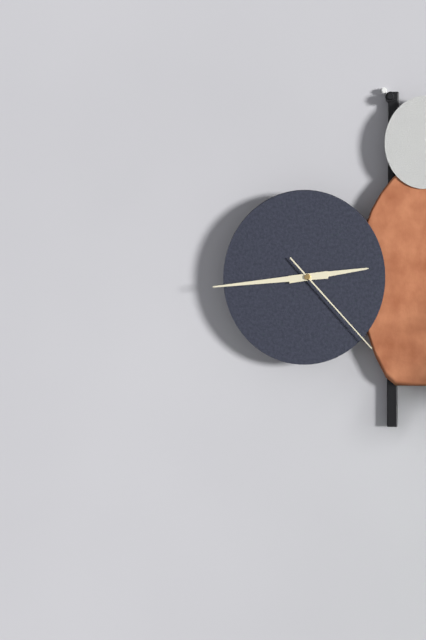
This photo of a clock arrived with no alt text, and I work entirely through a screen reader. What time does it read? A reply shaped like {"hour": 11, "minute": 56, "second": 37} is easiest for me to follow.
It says {"hour": 2, "minute": 44, "second": 23}
